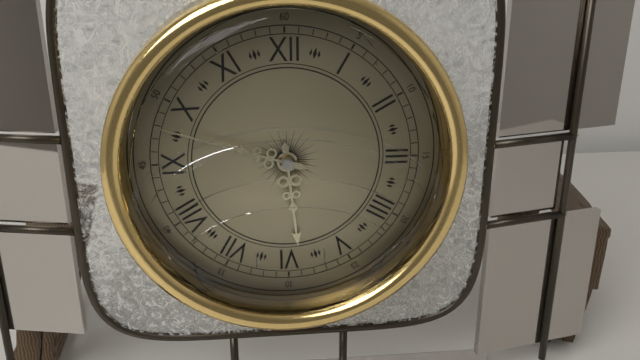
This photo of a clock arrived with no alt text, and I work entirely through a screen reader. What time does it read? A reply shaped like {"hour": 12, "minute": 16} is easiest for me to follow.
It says {"hour": 5, "minute": 48}
